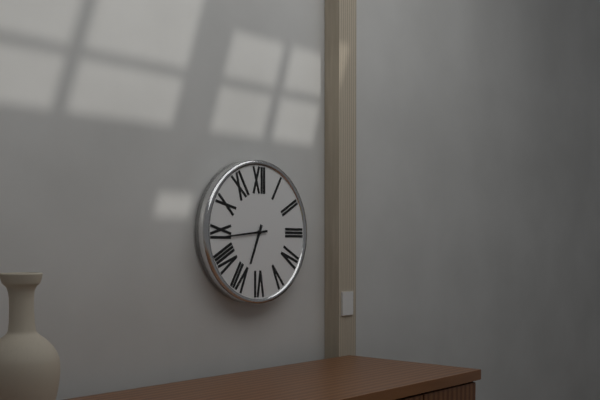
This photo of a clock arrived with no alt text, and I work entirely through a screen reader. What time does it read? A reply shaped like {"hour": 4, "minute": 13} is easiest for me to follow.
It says {"hour": 6, "minute": 44}
